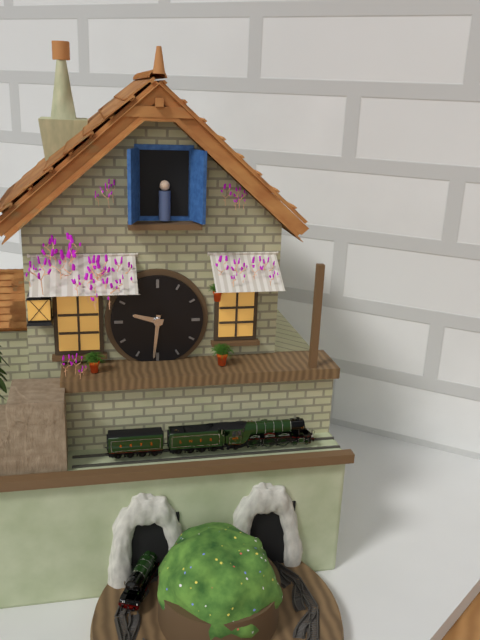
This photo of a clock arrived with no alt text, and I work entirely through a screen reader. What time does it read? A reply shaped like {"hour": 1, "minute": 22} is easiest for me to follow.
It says {"hour": 9, "minute": 31}
